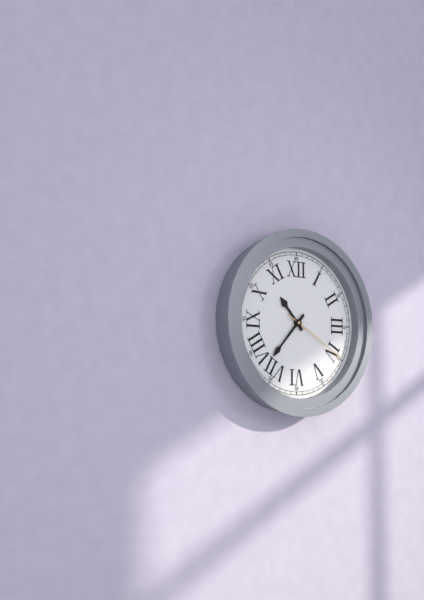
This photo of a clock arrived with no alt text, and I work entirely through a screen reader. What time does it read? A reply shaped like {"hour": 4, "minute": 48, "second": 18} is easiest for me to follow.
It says {"hour": 10, "minute": 37, "second": 20}
